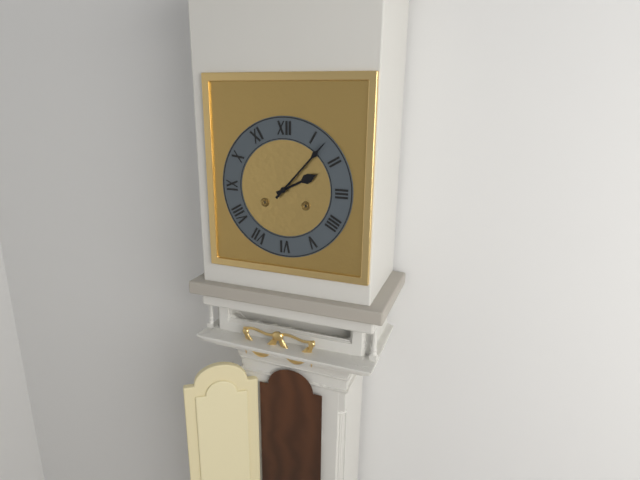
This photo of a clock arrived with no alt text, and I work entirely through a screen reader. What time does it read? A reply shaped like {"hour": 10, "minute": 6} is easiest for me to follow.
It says {"hour": 2, "minute": 7}
